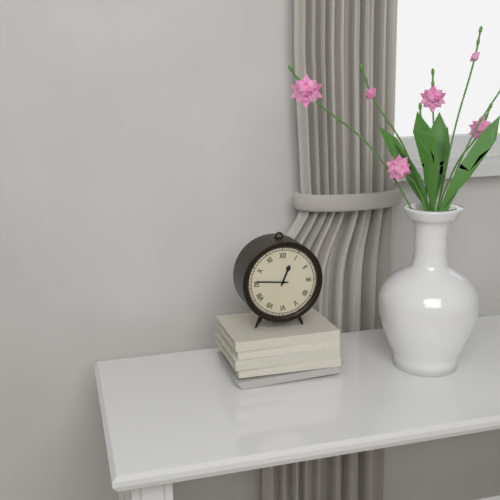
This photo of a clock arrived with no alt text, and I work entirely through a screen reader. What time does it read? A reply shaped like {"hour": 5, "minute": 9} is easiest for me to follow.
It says {"hour": 12, "minute": 46}
